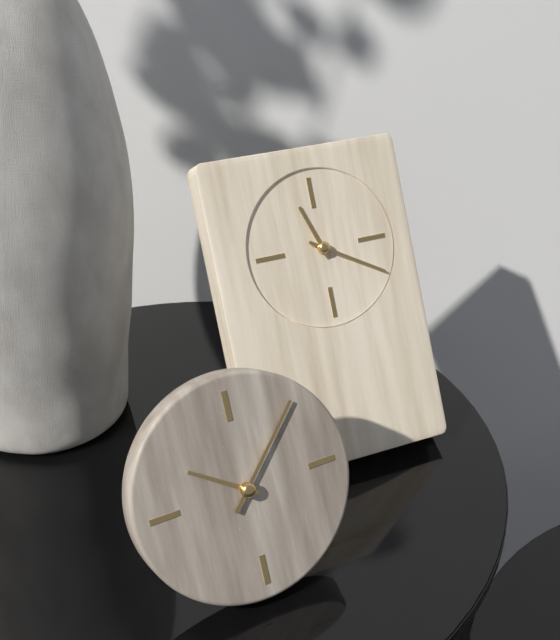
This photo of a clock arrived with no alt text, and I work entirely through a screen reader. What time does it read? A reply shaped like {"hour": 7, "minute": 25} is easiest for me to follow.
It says {"hour": 11, "minute": 20}
